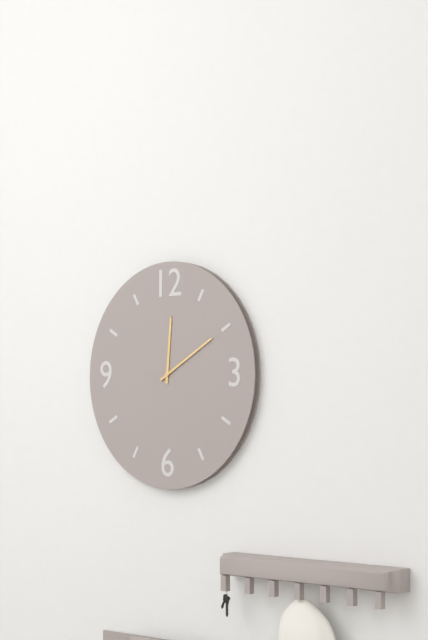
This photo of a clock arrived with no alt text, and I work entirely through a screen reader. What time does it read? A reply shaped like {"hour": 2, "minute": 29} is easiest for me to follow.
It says {"hour": 12, "minute": 10}
